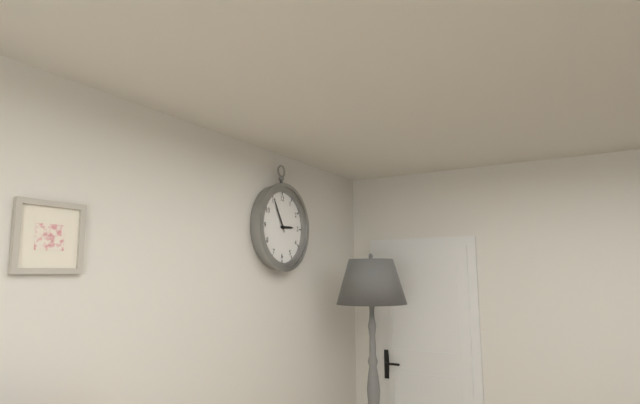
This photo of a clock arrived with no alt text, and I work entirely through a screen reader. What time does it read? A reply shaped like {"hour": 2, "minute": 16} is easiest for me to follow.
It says {"hour": 2, "minute": 55}
